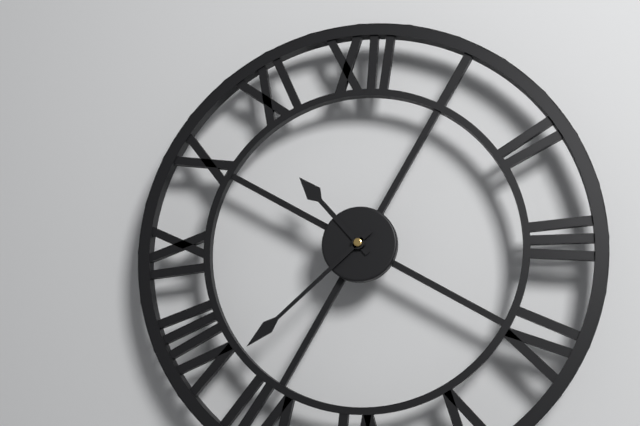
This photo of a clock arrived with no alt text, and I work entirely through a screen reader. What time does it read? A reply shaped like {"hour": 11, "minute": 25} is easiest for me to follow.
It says {"hour": 10, "minute": 38}
